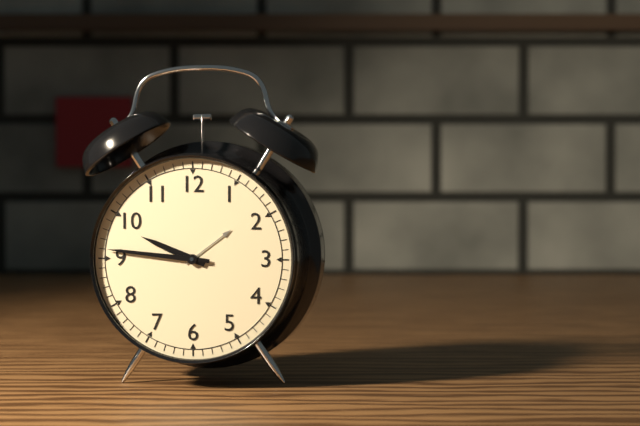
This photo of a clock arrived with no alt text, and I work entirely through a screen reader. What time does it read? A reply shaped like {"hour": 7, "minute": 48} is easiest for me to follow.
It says {"hour": 9, "minute": 46}
